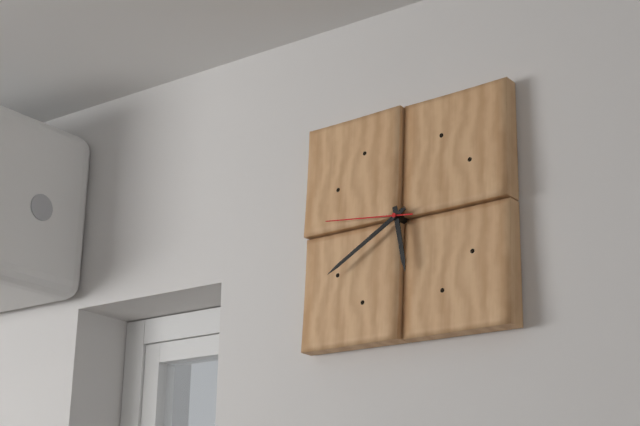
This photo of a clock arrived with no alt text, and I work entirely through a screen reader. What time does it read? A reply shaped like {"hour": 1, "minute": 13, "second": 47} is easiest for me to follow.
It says {"hour": 5, "minute": 40, "second": 46}
